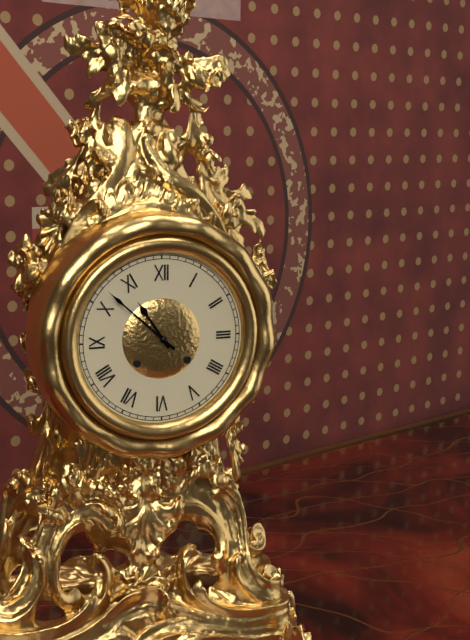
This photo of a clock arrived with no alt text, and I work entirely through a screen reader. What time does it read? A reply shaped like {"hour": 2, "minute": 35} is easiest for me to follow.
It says {"hour": 10, "minute": 52}
